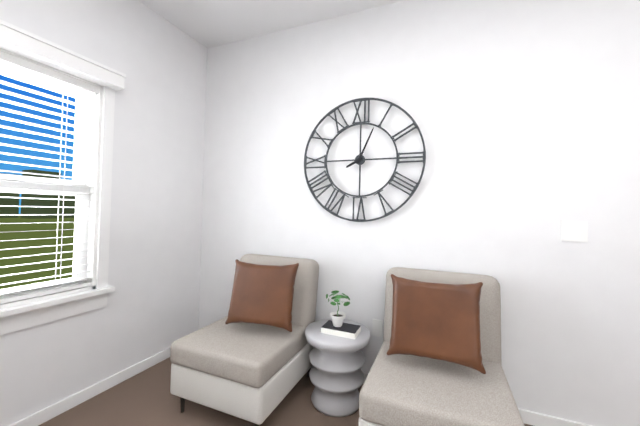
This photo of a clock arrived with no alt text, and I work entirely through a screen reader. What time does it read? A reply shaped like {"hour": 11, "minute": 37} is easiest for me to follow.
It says {"hour": 8, "minute": 4}
